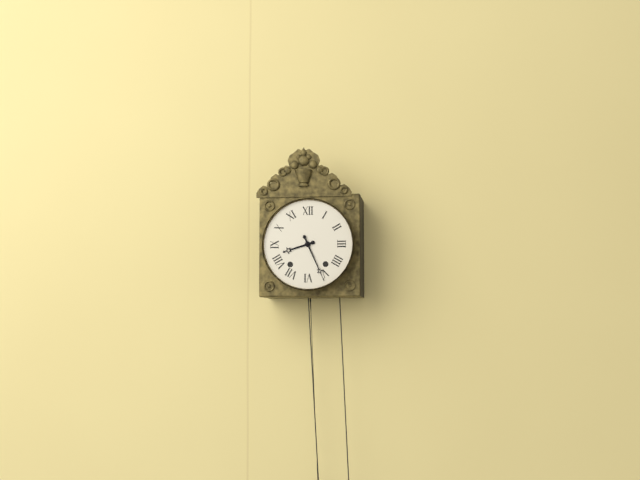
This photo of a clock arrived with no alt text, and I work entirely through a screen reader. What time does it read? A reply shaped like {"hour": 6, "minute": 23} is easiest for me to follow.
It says {"hour": 8, "minute": 26}
